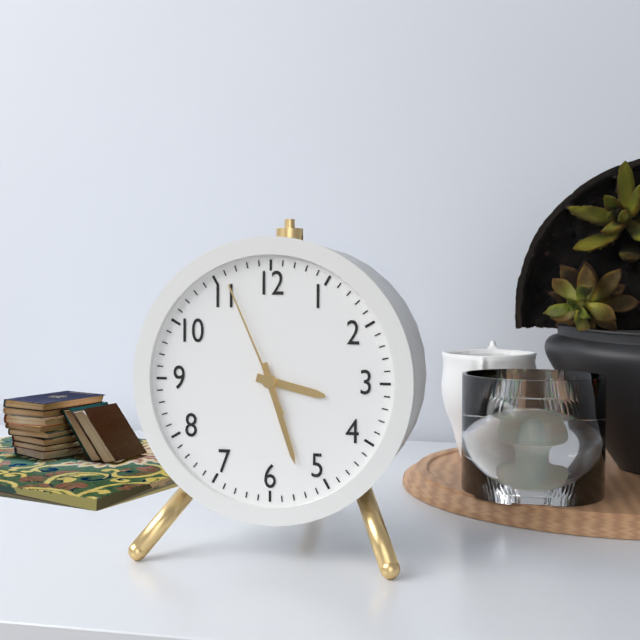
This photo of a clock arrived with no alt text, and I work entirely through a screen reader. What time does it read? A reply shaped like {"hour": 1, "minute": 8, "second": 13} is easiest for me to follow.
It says {"hour": 3, "minute": 27, "second": 56}
